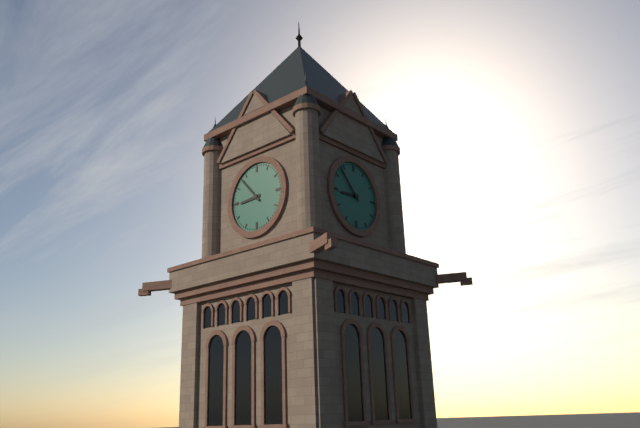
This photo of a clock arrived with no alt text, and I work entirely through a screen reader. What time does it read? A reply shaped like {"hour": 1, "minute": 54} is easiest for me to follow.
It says {"hour": 8, "minute": 53}
